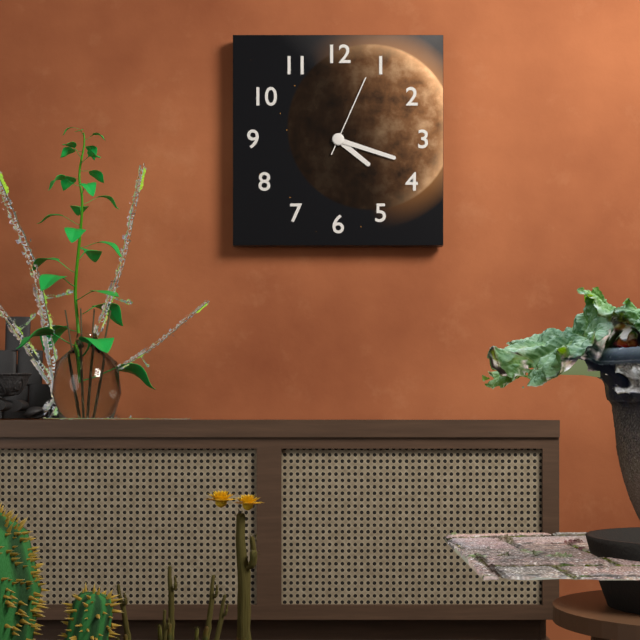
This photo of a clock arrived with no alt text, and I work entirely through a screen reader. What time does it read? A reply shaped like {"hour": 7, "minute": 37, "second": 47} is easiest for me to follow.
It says {"hour": 4, "minute": 18, "second": 4}
